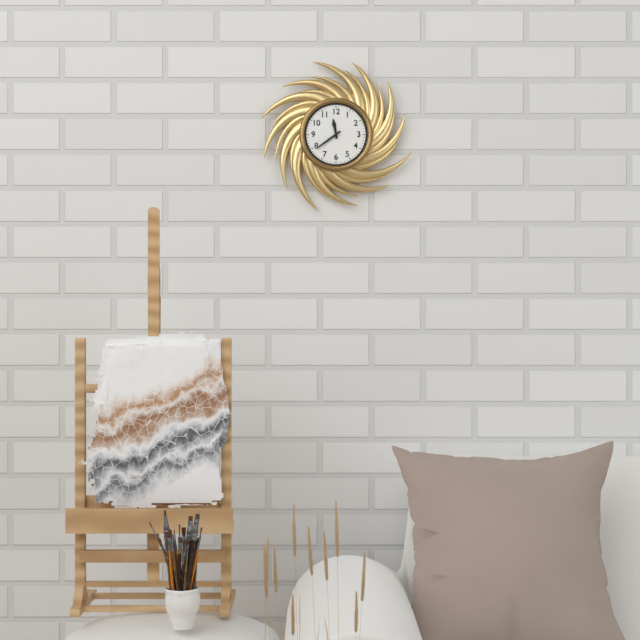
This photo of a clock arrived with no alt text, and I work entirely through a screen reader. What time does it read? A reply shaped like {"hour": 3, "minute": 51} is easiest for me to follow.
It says {"hour": 11, "minute": 39}
